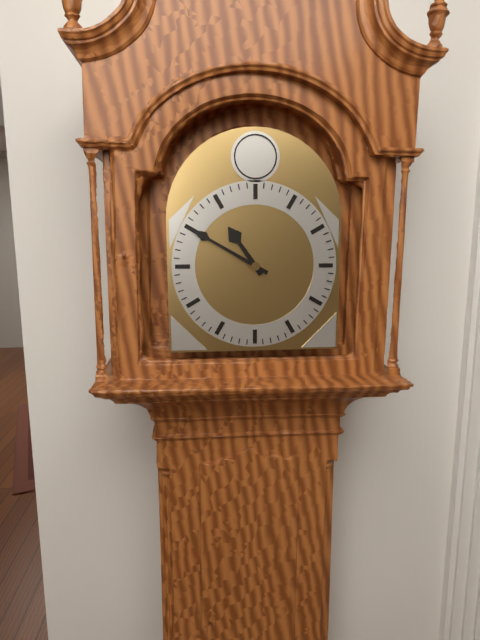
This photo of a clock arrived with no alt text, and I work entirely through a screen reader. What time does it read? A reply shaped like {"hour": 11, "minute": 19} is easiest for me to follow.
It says {"hour": 10, "minute": 50}
